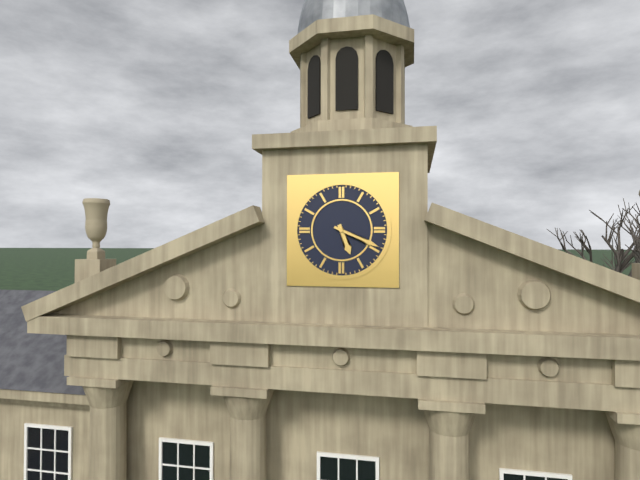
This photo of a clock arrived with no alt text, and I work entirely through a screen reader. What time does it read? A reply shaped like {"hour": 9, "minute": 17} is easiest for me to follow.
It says {"hour": 5, "minute": 19}
